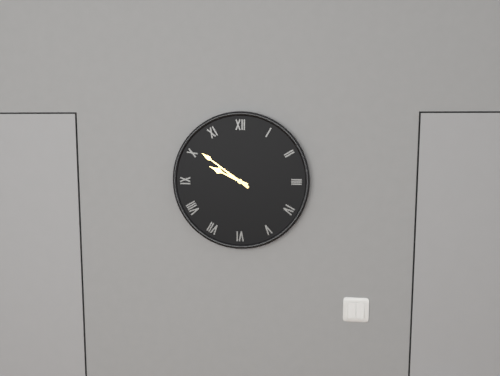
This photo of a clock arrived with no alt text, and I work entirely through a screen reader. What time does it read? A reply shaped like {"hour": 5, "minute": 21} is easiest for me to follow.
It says {"hour": 9, "minute": 51}
